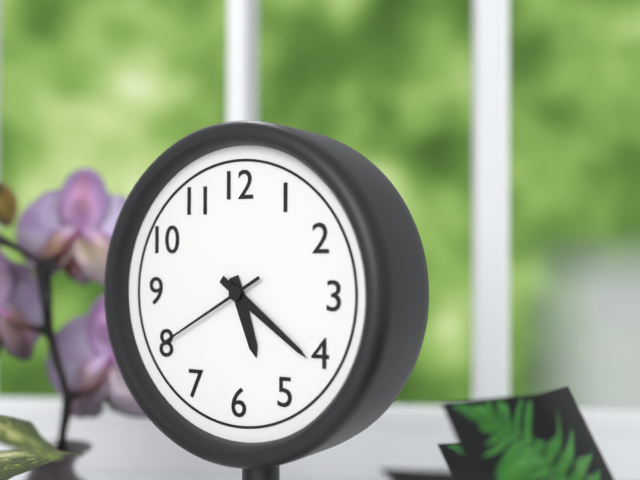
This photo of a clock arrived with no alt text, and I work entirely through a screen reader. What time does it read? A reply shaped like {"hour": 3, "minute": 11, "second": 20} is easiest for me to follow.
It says {"hour": 5, "minute": 21, "second": 40}
